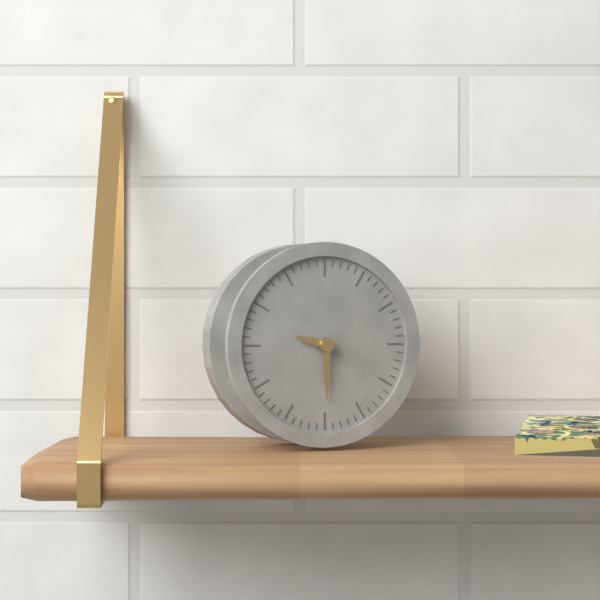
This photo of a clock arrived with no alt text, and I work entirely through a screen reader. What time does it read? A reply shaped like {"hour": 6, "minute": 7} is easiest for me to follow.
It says {"hour": 9, "minute": 30}
